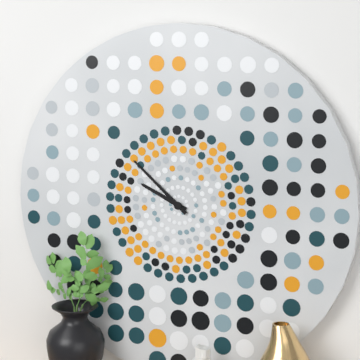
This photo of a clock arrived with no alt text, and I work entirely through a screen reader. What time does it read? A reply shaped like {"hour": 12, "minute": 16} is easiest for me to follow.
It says {"hour": 9, "minute": 52}
